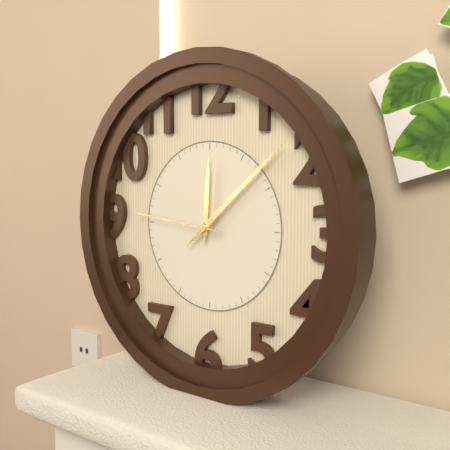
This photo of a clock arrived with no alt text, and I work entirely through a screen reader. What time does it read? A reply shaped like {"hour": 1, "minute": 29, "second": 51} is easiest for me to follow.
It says {"hour": 12, "minute": 8, "second": 46}
